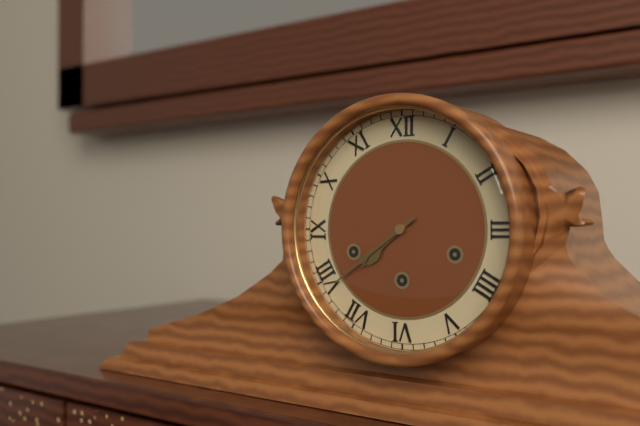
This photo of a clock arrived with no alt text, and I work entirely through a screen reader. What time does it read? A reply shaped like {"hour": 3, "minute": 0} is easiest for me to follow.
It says {"hour": 7, "minute": 39}
